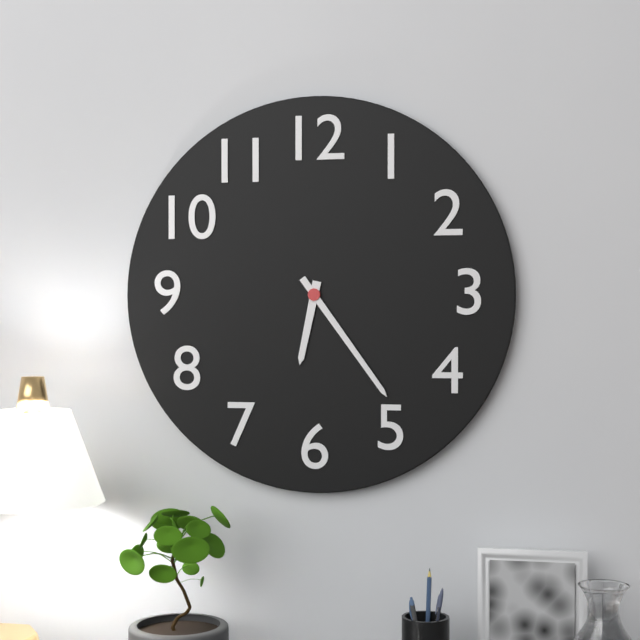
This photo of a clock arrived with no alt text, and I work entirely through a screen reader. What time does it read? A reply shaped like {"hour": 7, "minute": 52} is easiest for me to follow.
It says {"hour": 6, "minute": 24}
